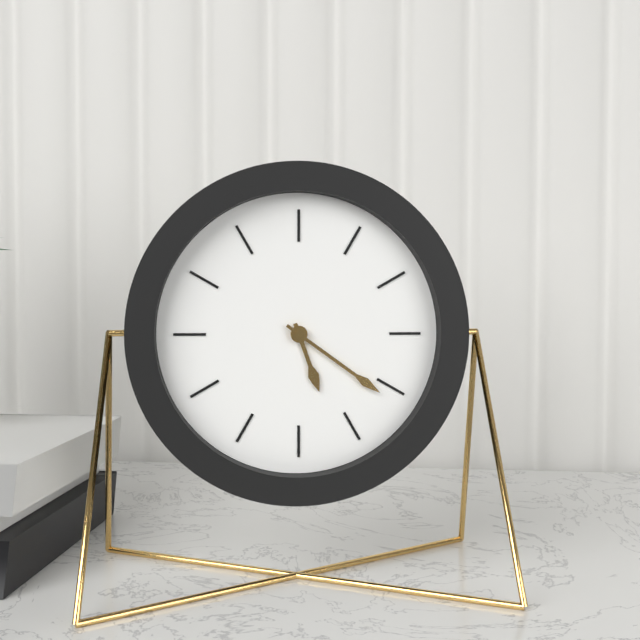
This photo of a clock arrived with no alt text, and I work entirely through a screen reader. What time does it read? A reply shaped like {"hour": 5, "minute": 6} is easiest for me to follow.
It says {"hour": 5, "minute": 21}
